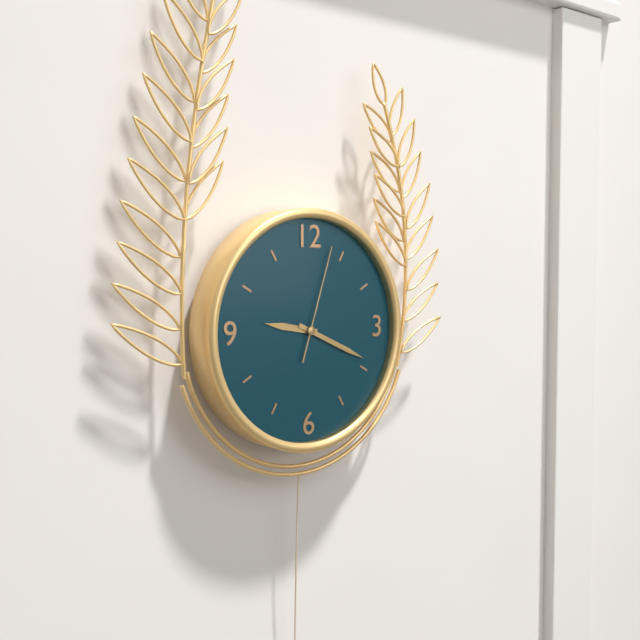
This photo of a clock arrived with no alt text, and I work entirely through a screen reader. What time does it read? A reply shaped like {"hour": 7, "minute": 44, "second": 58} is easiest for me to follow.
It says {"hour": 9, "minute": 19, "second": 3}
